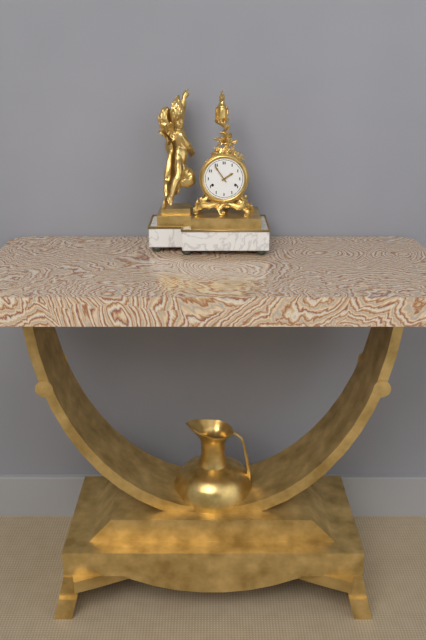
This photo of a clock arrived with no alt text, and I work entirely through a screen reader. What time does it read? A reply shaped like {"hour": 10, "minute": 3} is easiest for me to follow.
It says {"hour": 1, "minute": 54}
